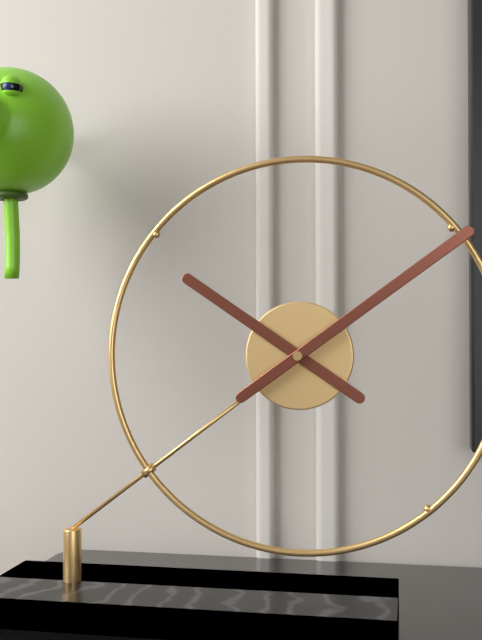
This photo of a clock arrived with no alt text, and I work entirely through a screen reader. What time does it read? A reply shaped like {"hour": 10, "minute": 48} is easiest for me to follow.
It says {"hour": 10, "minute": 9}
